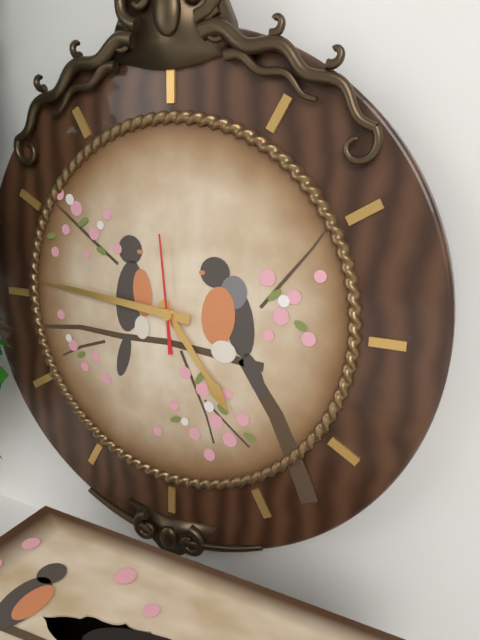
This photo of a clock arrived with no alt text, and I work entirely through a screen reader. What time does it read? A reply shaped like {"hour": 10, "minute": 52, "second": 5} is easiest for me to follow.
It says {"hour": 4, "minute": 46, "second": 59}
